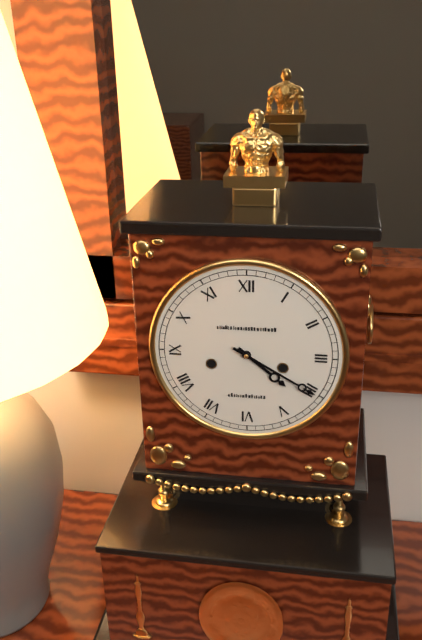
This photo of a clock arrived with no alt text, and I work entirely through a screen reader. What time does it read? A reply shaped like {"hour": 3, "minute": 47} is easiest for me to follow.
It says {"hour": 4, "minute": 20}
